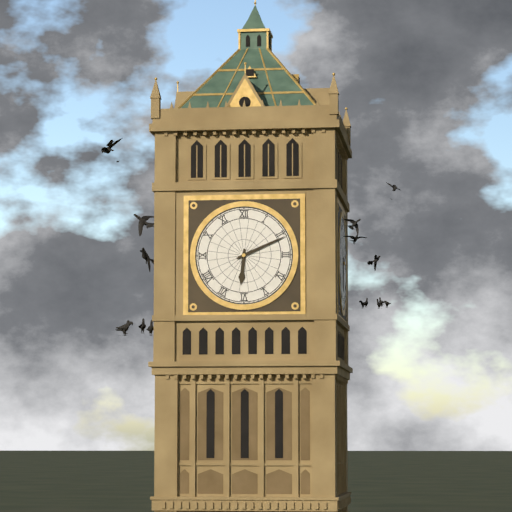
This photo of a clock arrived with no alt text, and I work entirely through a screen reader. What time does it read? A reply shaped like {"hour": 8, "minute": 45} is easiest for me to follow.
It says {"hour": 6, "minute": 11}
